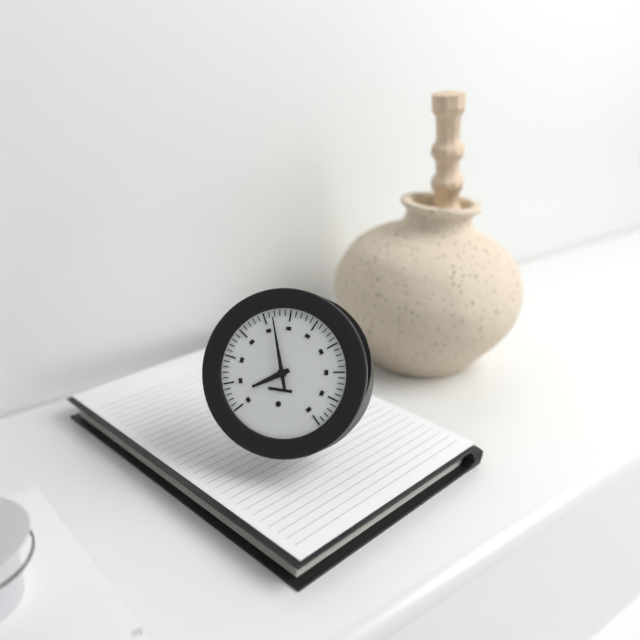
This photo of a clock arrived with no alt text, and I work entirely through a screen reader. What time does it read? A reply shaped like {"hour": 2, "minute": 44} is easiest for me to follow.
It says {"hour": 7, "minute": 57}
